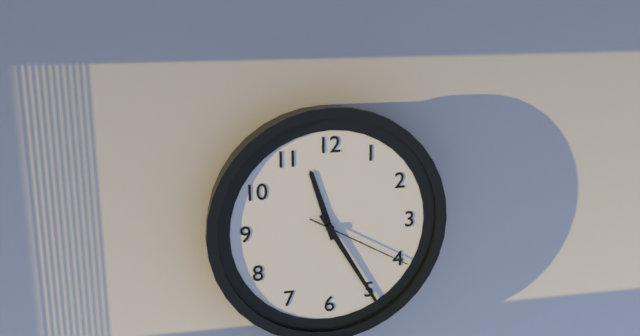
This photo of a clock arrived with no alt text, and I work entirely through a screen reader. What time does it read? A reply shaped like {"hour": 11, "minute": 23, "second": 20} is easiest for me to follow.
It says {"hour": 11, "minute": 25, "second": 20}
